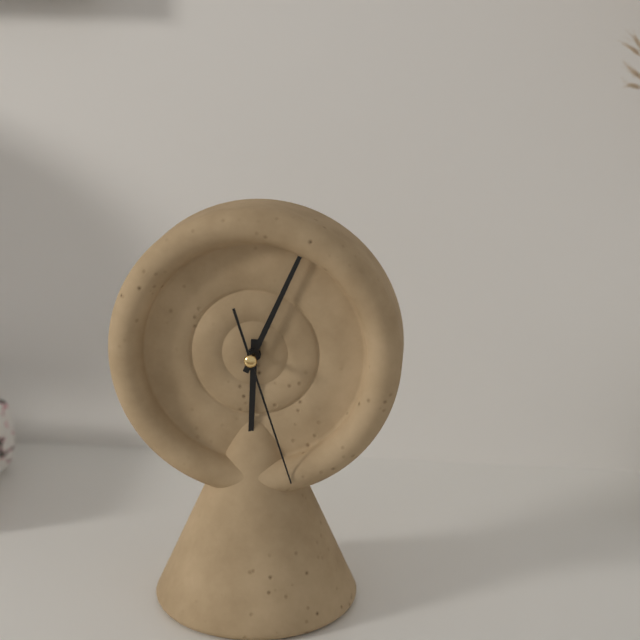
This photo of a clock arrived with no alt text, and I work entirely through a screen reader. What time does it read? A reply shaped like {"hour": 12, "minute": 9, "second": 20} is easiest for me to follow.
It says {"hour": 6, "minute": 4, "second": 27}
